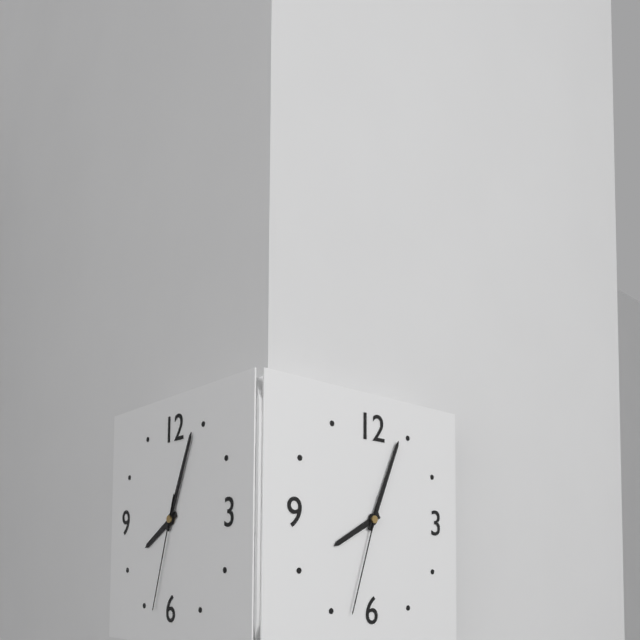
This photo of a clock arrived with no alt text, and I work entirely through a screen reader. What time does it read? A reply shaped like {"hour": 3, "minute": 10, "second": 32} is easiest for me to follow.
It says {"hour": 8, "minute": 4, "second": 33}
